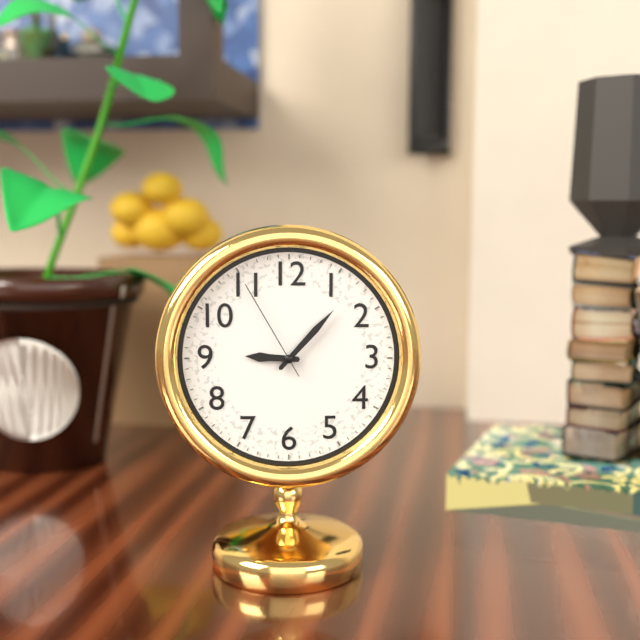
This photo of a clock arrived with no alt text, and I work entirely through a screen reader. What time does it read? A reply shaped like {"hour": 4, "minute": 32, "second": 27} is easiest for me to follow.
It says {"hour": 9, "minute": 7, "second": 55}
